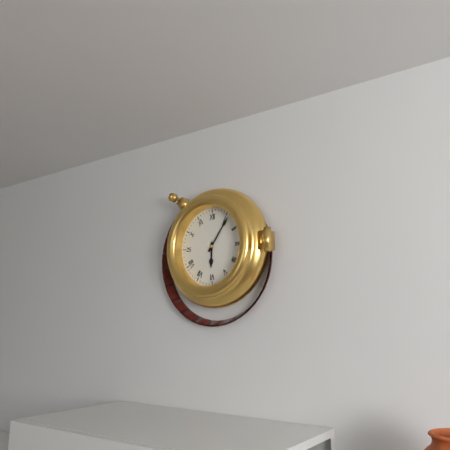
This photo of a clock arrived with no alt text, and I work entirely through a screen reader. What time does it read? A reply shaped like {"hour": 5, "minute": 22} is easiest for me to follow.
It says {"hour": 6, "minute": 6}
